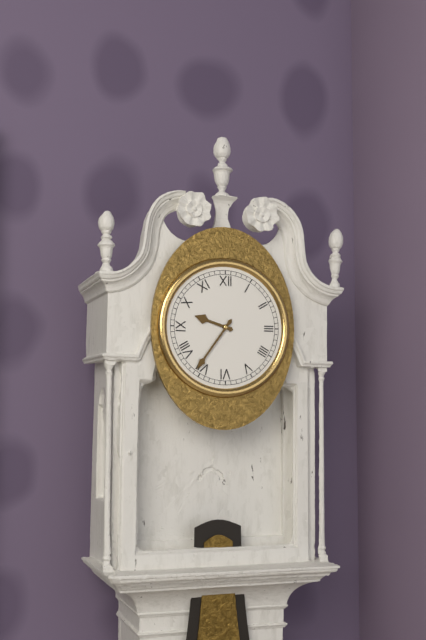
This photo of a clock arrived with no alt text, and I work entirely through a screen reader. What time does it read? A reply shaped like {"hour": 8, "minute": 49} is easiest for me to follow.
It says {"hour": 9, "minute": 36}
